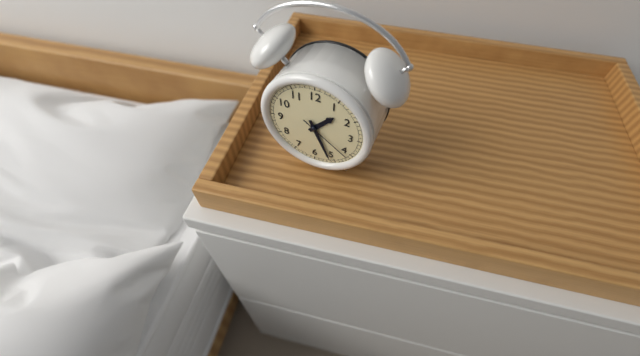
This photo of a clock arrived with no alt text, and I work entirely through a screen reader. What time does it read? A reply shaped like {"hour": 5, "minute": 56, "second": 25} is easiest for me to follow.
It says {"hour": 1, "minute": 26, "second": 21}
